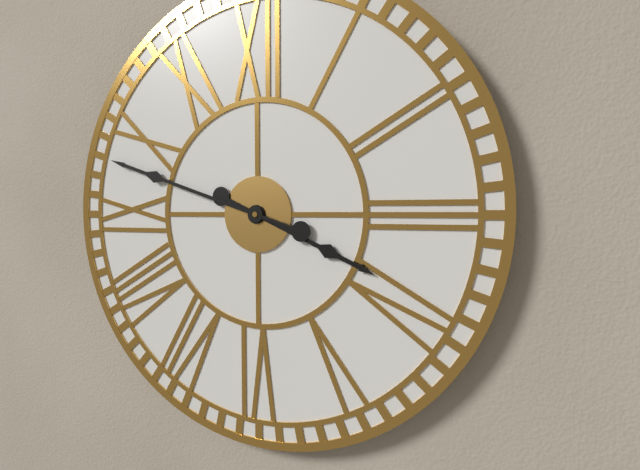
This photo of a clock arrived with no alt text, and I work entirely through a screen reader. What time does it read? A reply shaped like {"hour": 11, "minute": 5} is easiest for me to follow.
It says {"hour": 3, "minute": 48}
